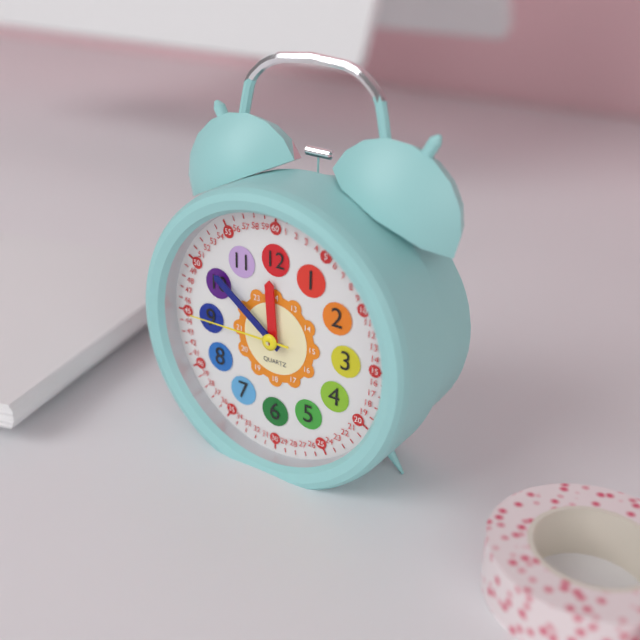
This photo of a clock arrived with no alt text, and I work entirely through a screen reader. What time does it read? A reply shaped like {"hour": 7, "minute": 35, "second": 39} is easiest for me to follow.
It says {"hour": 11, "minute": 51, "second": 45}
